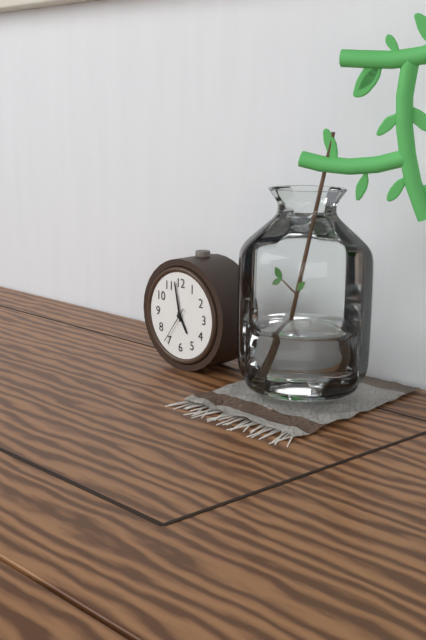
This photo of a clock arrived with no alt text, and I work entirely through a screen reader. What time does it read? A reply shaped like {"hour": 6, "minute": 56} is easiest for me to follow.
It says {"hour": 4, "minute": 58}
